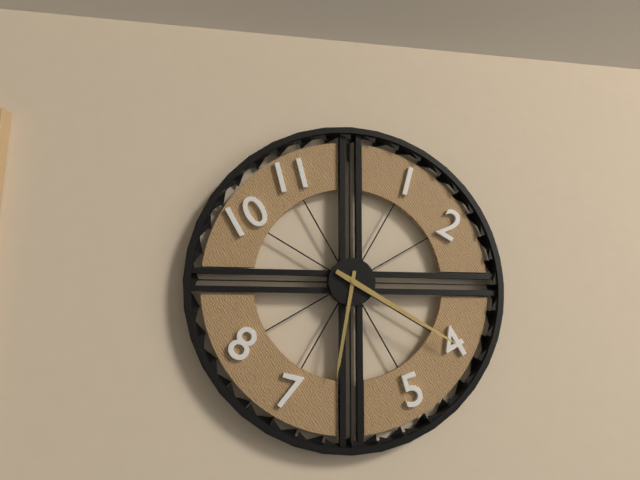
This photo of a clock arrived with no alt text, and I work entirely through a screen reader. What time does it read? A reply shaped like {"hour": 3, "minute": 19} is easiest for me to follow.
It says {"hour": 6, "minute": 20}
